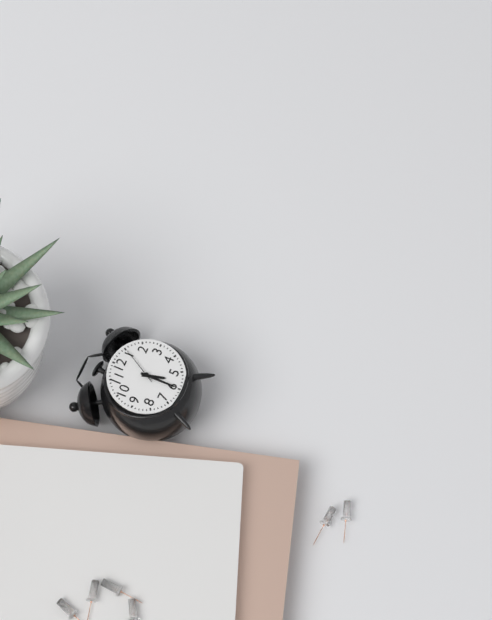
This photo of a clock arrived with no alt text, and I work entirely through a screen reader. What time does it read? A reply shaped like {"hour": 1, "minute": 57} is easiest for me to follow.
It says {"hour": 5, "minute": 30}
